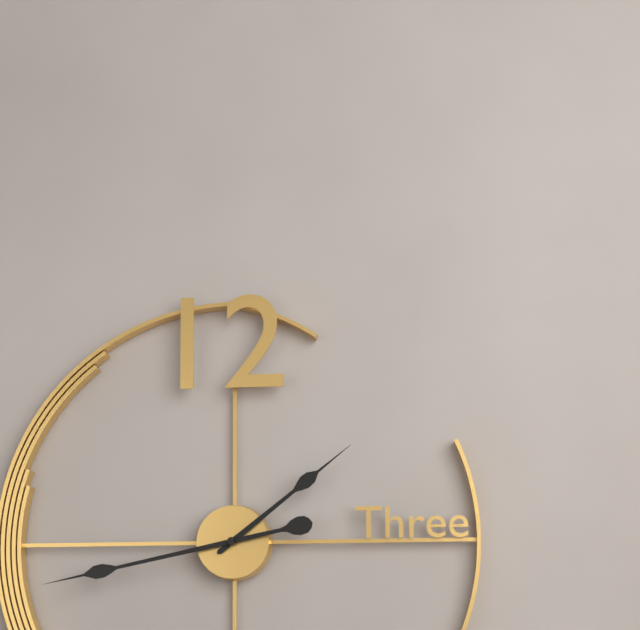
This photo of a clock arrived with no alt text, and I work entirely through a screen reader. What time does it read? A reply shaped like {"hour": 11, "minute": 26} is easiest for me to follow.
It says {"hour": 1, "minute": 43}
